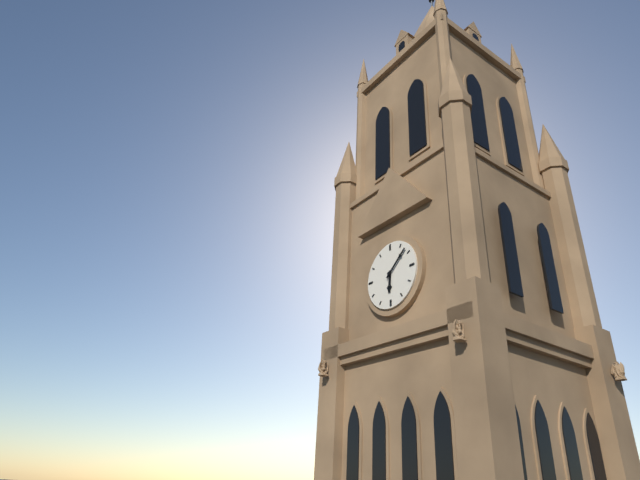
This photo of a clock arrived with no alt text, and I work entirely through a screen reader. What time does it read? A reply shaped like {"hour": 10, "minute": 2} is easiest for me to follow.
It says {"hour": 6, "minute": 8}
